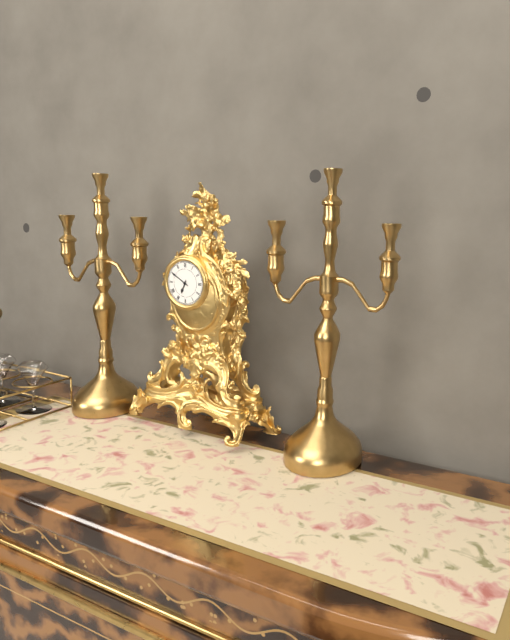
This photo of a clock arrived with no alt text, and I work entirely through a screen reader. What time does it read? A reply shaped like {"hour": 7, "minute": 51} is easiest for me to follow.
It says {"hour": 6, "minute": 50}
